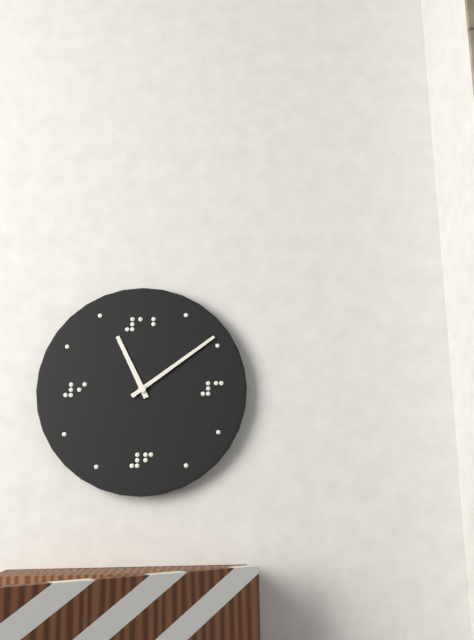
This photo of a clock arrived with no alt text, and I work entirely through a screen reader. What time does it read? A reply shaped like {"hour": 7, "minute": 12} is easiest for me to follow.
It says {"hour": 11, "minute": 9}
